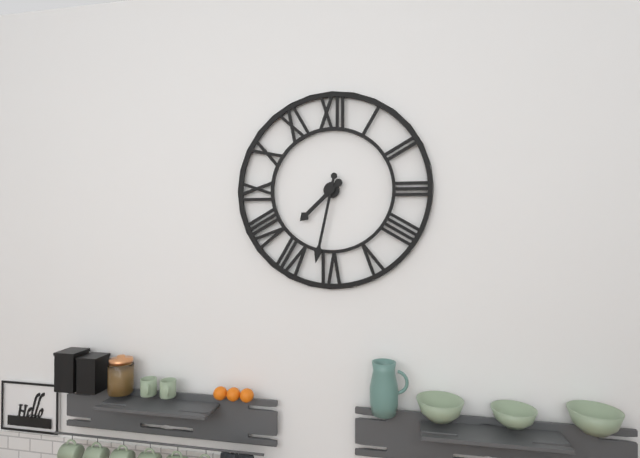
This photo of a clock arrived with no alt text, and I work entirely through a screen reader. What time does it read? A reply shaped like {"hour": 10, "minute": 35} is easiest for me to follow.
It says {"hour": 7, "minute": 32}
